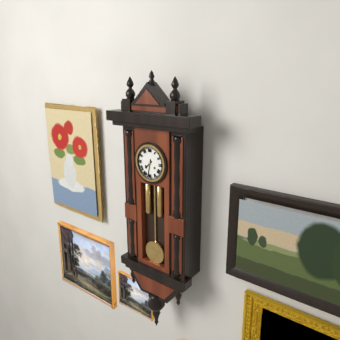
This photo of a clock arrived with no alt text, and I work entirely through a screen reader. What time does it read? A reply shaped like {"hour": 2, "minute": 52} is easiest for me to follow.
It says {"hour": 7, "minute": 32}
